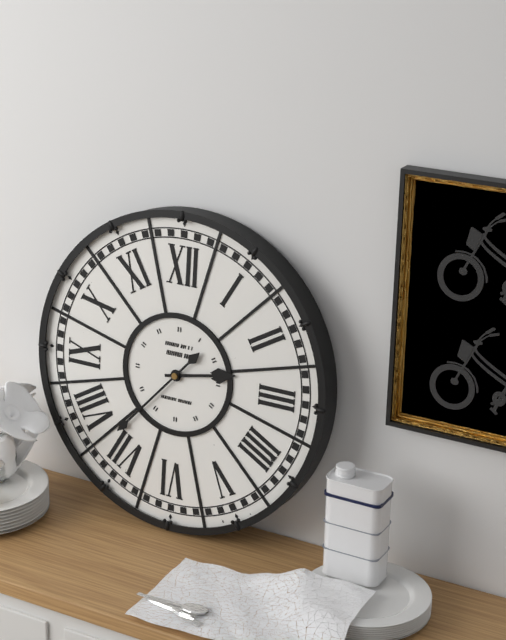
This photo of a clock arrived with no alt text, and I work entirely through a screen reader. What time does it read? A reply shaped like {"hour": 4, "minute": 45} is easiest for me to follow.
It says {"hour": 2, "minute": 37}
